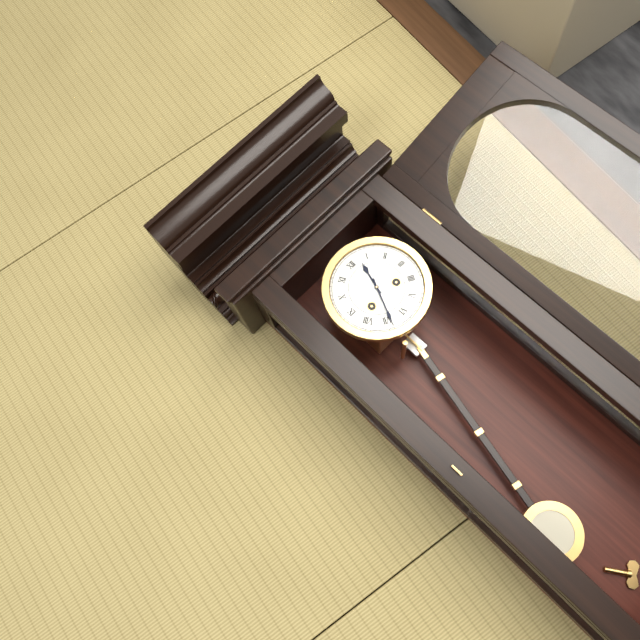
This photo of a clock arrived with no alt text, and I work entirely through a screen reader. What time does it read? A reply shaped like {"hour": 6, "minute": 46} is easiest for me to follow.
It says {"hour": 12, "minute": 34}
